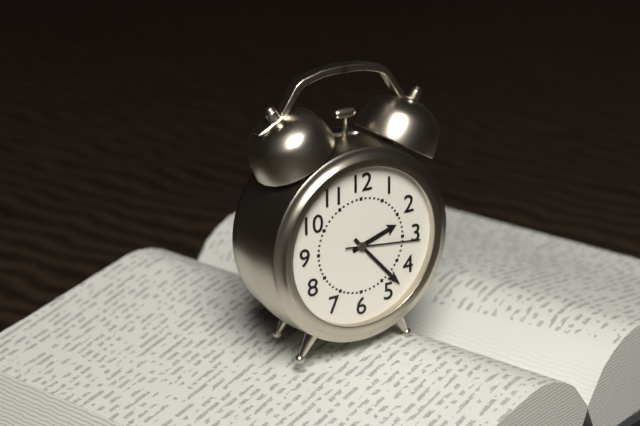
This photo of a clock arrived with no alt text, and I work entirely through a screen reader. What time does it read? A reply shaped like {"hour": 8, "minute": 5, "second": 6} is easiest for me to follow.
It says {"hour": 2, "minute": 23, "second": 16}
